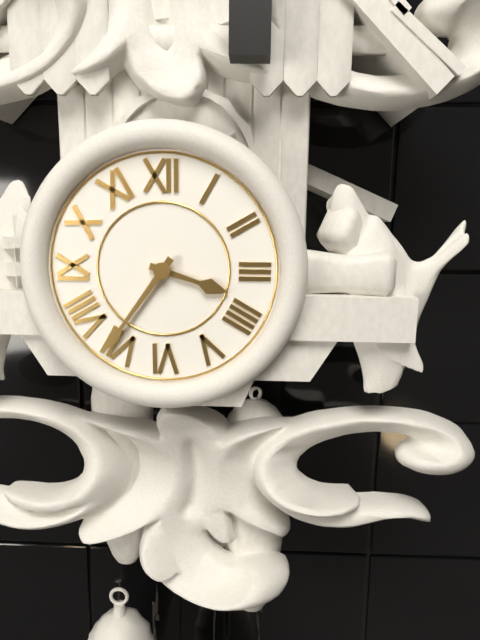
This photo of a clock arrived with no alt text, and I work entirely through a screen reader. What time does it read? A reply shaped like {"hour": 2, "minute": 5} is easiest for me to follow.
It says {"hour": 3, "minute": 36}
